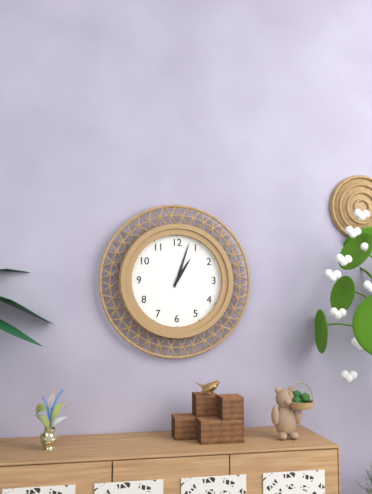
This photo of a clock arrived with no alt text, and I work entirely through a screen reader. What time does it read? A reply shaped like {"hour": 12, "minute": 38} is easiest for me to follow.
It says {"hour": 1, "minute": 3}
